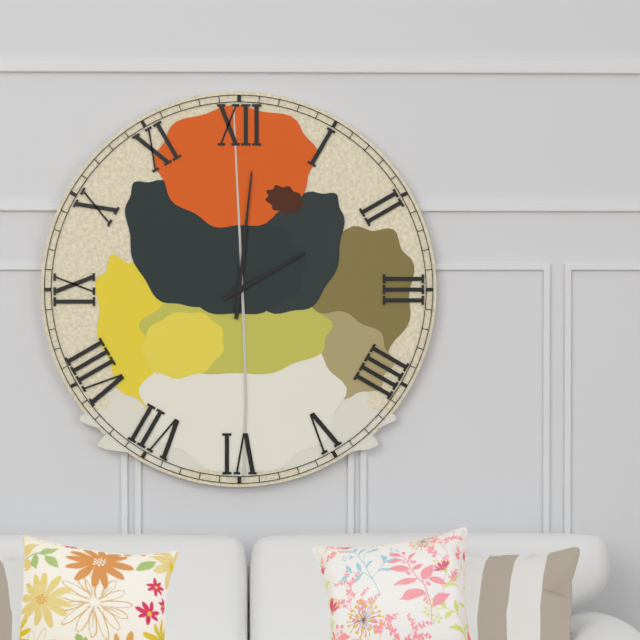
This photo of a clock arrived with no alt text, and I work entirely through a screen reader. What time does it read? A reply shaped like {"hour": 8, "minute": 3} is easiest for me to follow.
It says {"hour": 2, "minute": 1}
